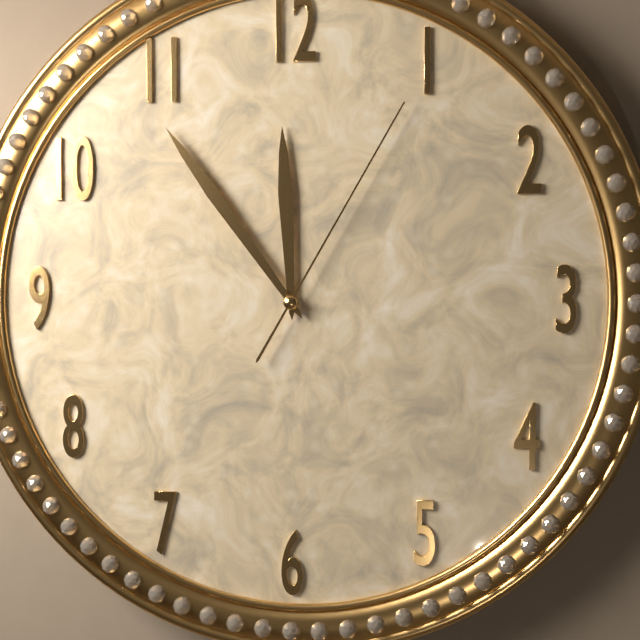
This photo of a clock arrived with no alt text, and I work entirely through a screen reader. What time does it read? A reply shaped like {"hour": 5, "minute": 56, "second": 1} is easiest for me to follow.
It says {"hour": 11, "minute": 54, "second": 5}
